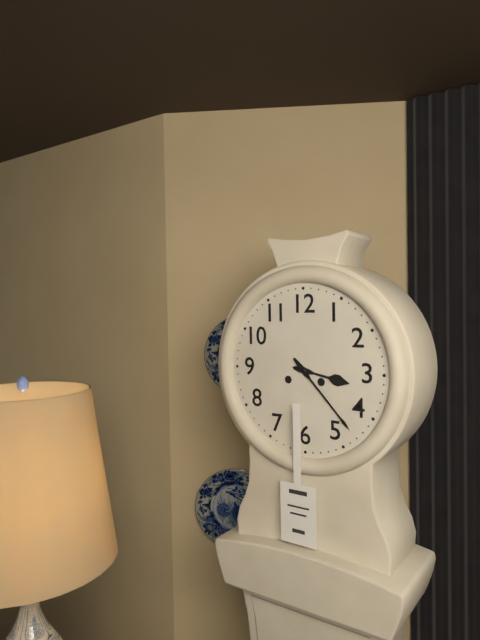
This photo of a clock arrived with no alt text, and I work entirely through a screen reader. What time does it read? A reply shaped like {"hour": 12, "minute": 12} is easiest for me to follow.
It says {"hour": 3, "minute": 23}
